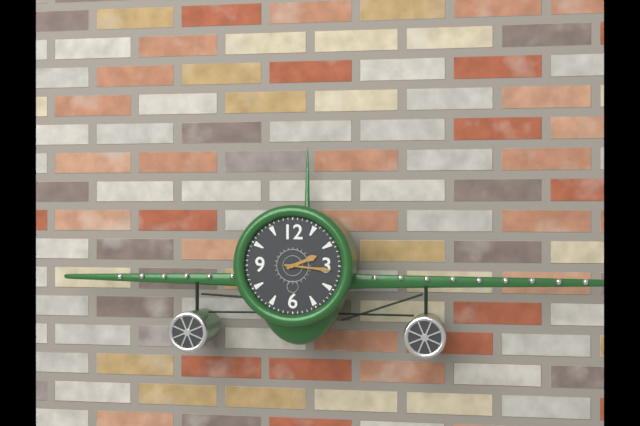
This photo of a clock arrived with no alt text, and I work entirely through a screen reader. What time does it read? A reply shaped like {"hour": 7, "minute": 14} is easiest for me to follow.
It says {"hour": 2, "minute": 16}
